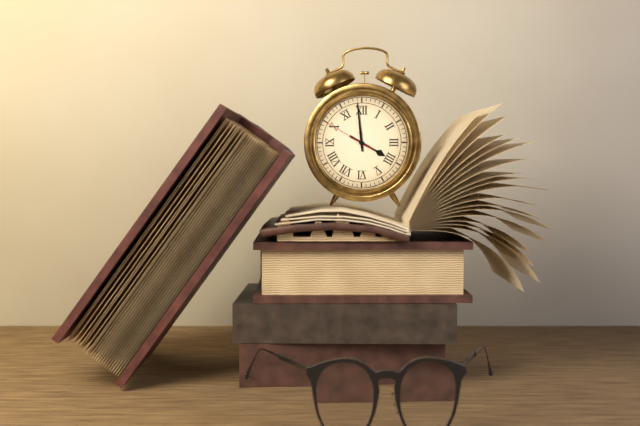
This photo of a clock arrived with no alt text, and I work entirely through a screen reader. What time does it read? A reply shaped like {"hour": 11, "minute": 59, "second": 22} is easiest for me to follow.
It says {"hour": 3, "minute": 59, "second": 50}
